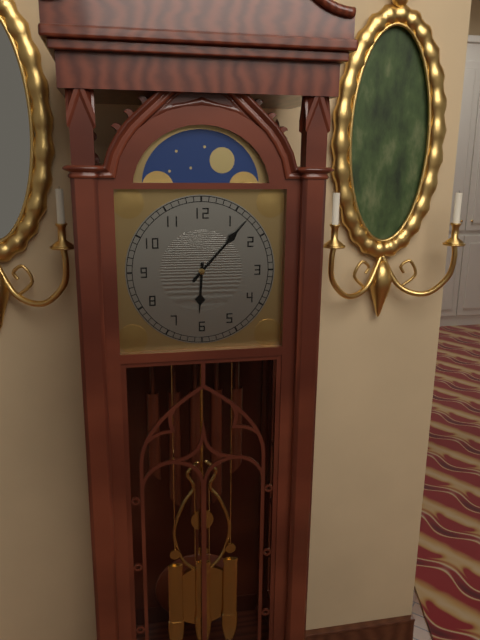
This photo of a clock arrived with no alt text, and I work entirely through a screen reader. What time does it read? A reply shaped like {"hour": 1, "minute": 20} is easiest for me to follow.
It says {"hour": 6, "minute": 7}
